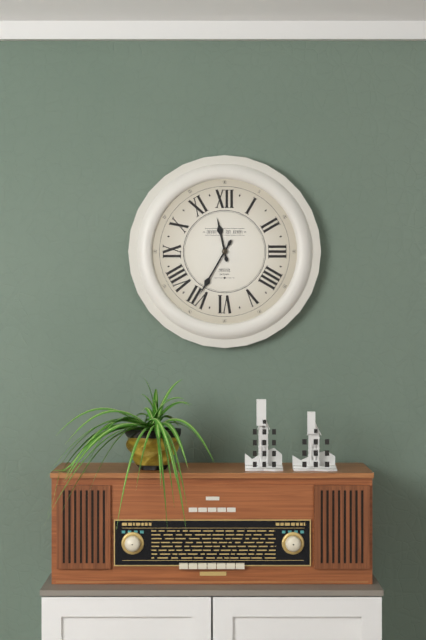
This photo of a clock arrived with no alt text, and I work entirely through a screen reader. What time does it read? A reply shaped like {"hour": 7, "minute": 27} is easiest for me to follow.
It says {"hour": 11, "minute": 35}
